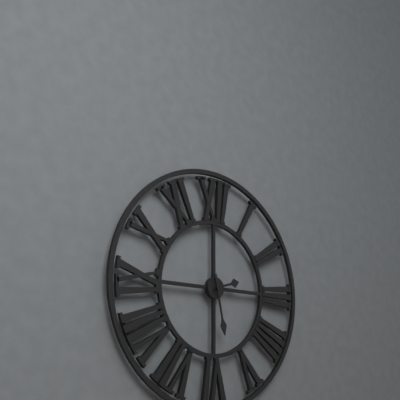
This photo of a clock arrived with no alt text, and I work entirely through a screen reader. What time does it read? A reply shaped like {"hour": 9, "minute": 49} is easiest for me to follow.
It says {"hour": 2, "minute": 28}
